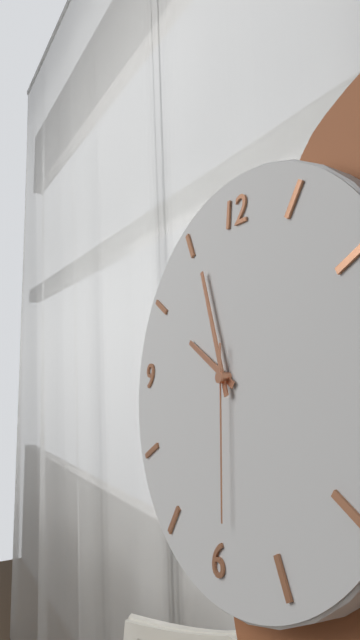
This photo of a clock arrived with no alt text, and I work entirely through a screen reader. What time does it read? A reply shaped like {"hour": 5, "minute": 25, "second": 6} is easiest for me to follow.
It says {"hour": 9, "minute": 56, "second": 29}
